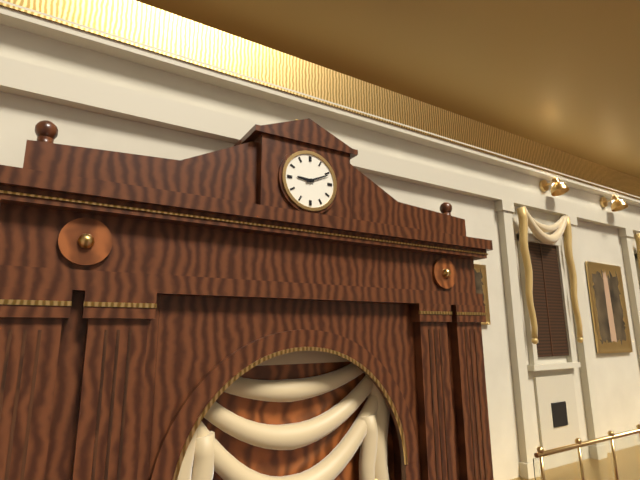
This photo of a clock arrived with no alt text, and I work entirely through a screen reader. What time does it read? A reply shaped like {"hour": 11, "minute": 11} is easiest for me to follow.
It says {"hour": 9, "minute": 11}
